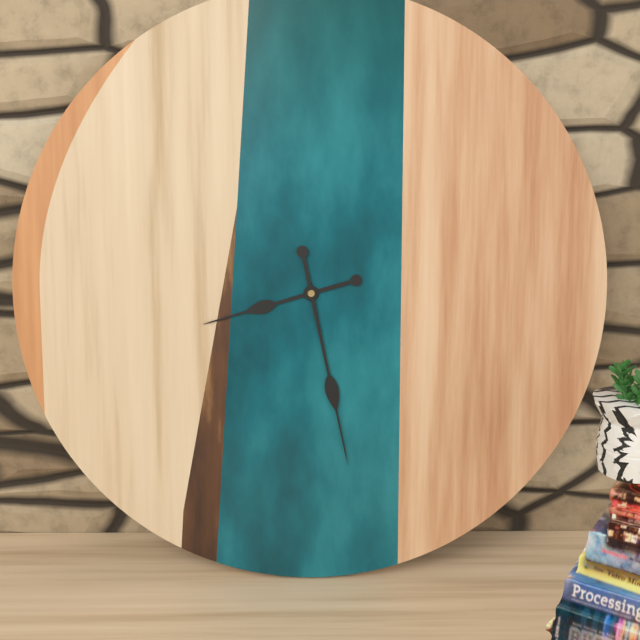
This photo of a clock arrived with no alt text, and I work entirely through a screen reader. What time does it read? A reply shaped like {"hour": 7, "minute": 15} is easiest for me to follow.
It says {"hour": 8, "minute": 28}
